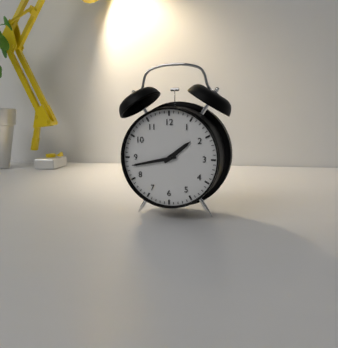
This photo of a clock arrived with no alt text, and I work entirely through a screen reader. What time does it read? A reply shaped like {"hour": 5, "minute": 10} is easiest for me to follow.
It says {"hour": 1, "minute": 43}
